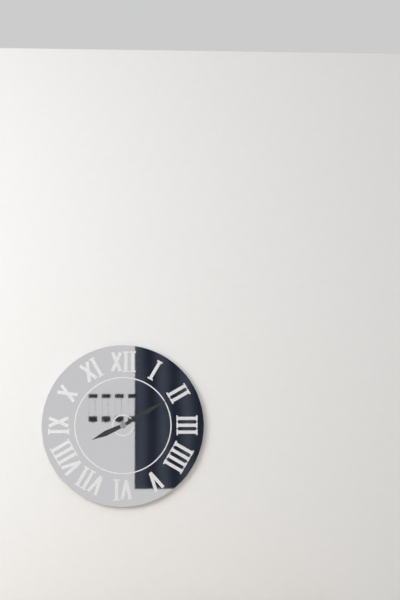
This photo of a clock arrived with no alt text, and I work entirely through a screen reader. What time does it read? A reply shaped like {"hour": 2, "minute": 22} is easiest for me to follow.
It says {"hour": 8, "minute": 10}
